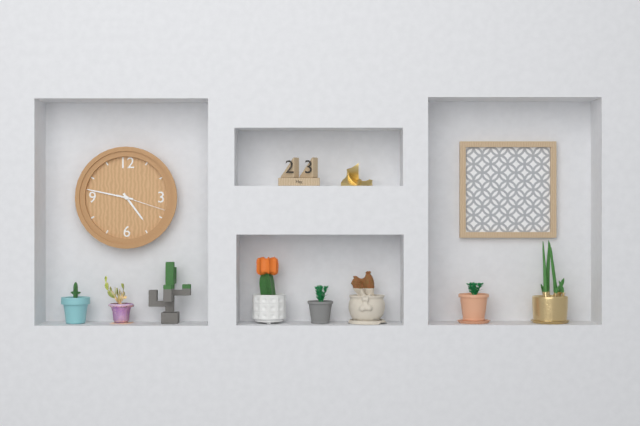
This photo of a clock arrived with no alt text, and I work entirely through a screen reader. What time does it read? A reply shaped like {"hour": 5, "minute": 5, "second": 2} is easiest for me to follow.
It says {"hour": 4, "minute": 47, "second": 18}
